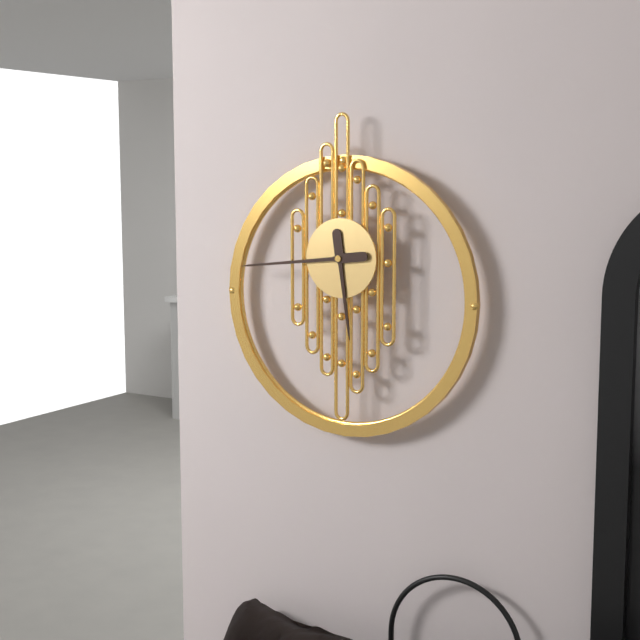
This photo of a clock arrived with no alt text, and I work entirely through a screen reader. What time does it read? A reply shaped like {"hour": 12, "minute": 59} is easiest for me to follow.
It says {"hour": 5, "minute": 44}
